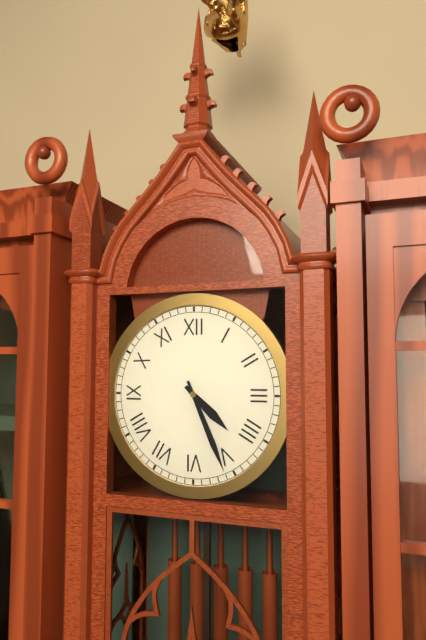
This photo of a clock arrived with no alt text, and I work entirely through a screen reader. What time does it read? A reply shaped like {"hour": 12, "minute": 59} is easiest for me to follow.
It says {"hour": 4, "minute": 26}
